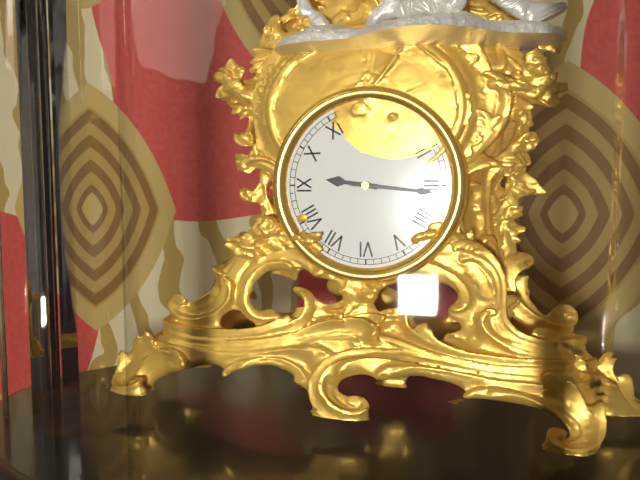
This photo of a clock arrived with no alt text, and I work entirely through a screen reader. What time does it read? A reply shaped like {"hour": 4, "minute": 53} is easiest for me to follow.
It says {"hour": 9, "minute": 16}
